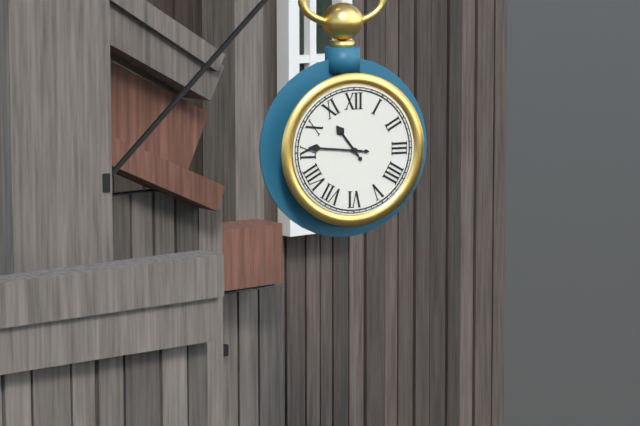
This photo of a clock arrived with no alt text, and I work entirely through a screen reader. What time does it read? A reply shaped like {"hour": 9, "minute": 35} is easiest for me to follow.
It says {"hour": 10, "minute": 46}
